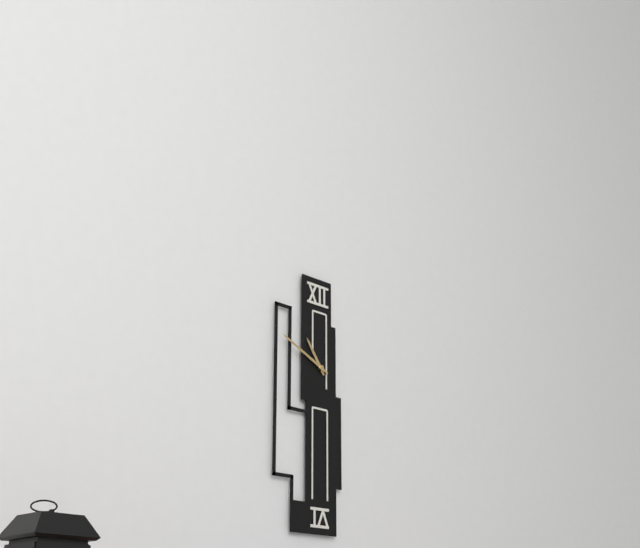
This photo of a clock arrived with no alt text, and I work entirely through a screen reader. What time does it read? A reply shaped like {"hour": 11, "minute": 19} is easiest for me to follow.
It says {"hour": 10, "minute": 49}
